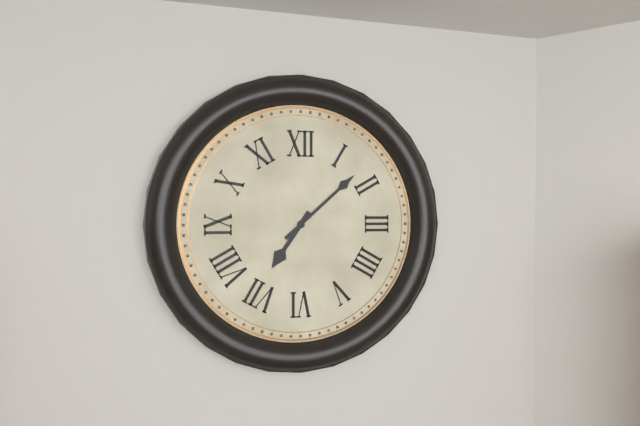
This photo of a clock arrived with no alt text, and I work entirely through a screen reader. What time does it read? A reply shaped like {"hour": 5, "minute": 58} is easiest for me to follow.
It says {"hour": 7, "minute": 8}
